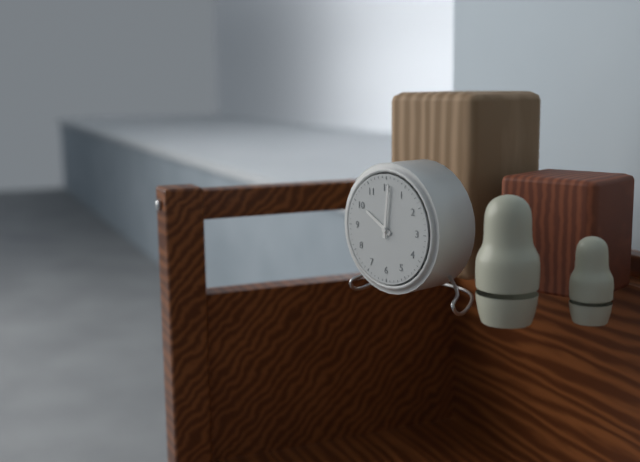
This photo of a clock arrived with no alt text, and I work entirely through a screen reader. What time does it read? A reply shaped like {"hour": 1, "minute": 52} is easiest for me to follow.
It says {"hour": 10, "minute": 1}
